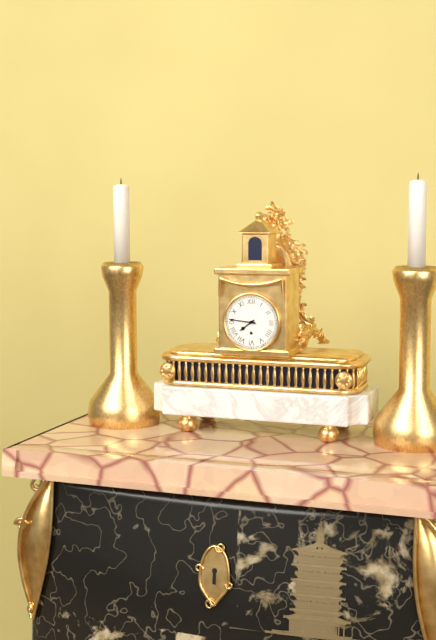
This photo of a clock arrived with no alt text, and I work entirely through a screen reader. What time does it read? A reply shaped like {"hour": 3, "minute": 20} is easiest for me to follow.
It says {"hour": 7, "minute": 46}
